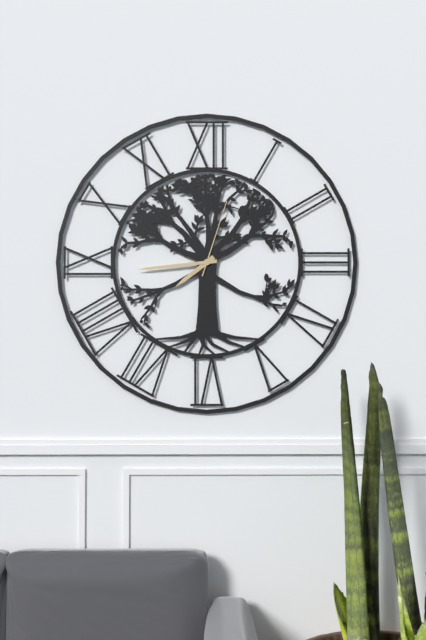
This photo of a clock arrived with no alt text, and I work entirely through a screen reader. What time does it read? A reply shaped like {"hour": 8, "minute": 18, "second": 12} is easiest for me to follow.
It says {"hour": 7, "minute": 44, "second": 3}
